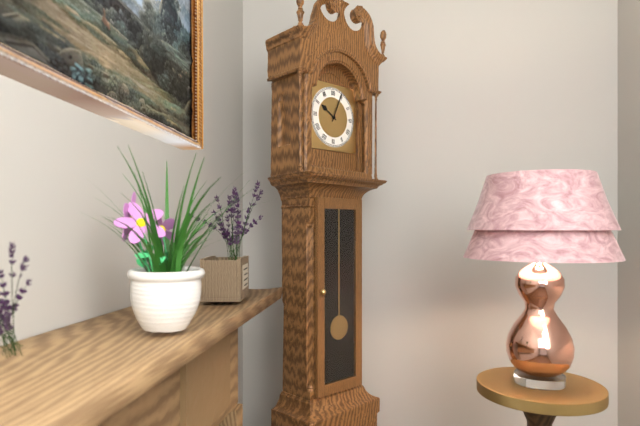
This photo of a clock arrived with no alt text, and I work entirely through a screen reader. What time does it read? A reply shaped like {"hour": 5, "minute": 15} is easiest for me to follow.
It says {"hour": 10, "minute": 4}
